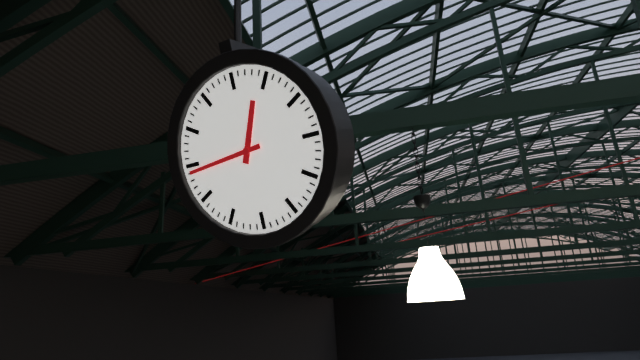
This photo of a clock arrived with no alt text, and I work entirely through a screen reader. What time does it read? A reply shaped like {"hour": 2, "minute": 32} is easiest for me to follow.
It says {"hour": 12, "minute": 44}
